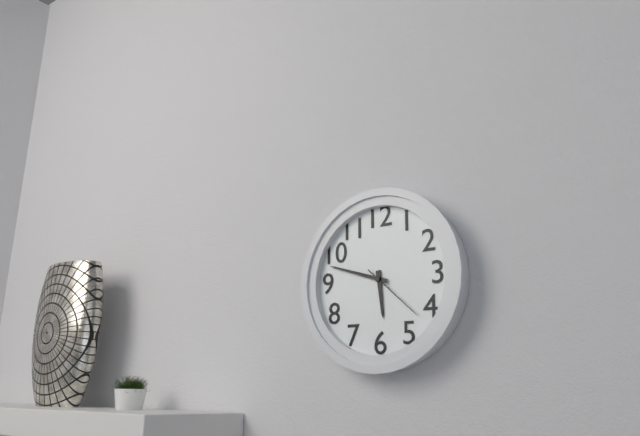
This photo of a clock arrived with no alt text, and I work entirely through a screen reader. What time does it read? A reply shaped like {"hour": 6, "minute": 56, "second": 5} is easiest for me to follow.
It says {"hour": 5, "minute": 48, "second": 22}
